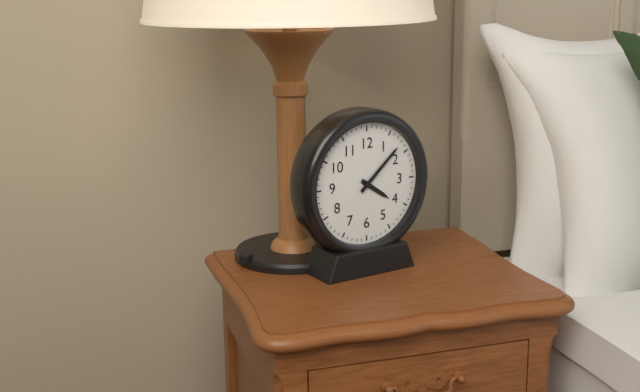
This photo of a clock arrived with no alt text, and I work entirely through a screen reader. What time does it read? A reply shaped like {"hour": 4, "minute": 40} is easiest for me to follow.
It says {"hour": 4, "minute": 8}
